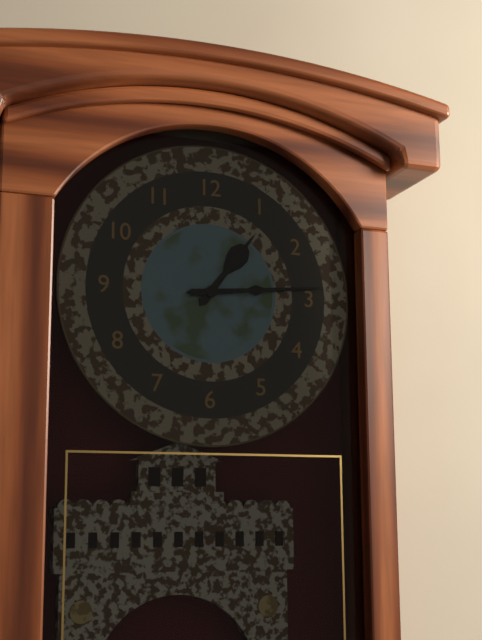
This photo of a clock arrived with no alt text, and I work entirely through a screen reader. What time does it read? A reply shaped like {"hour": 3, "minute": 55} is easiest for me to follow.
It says {"hour": 1, "minute": 14}
